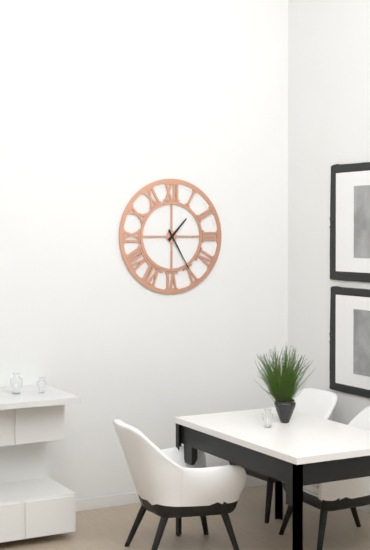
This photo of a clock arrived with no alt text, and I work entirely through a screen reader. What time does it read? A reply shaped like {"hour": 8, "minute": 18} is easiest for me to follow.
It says {"hour": 1, "minute": 25}
